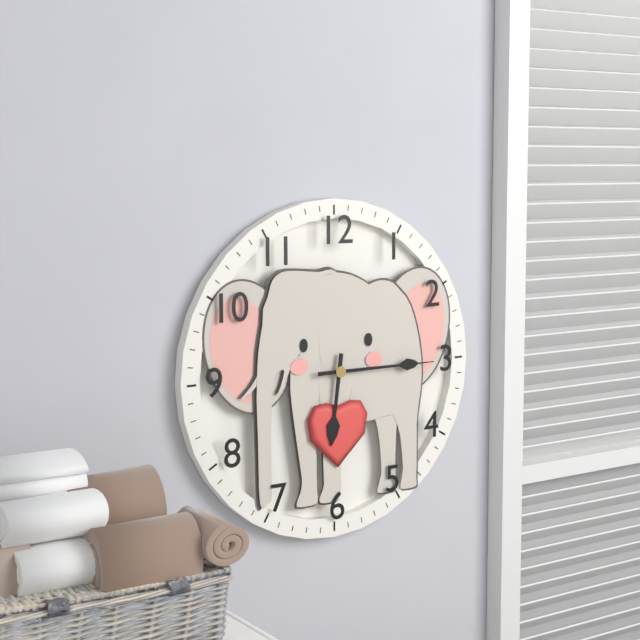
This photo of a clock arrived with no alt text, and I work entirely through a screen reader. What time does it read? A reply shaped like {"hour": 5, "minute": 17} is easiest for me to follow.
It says {"hour": 6, "minute": 15}
